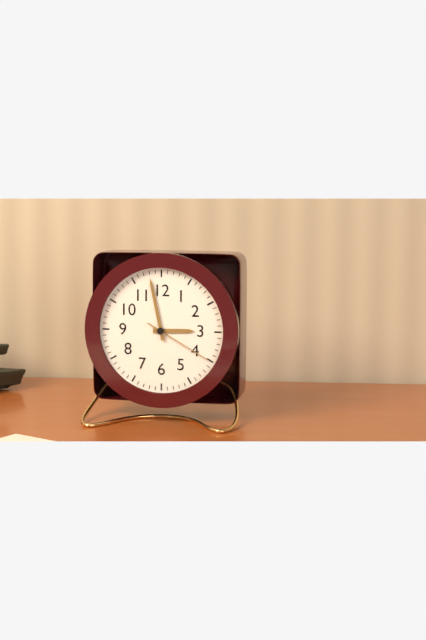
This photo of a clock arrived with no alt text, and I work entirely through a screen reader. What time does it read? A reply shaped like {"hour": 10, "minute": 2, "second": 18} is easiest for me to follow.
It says {"hour": 2, "minute": 58, "second": 20}
